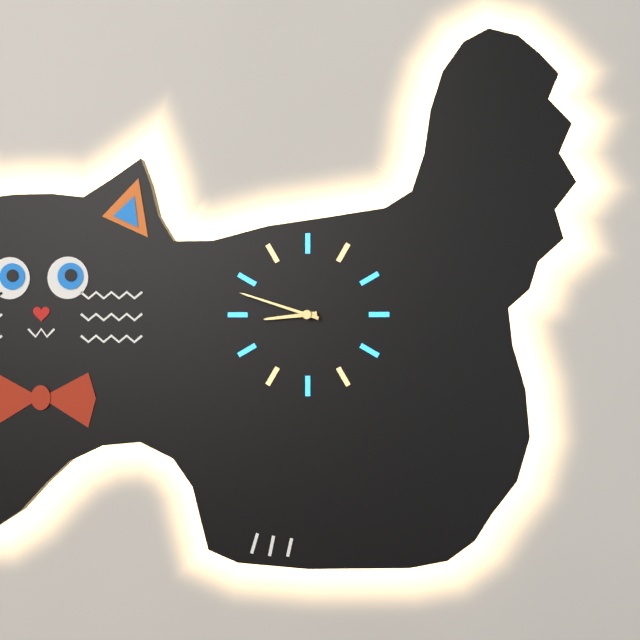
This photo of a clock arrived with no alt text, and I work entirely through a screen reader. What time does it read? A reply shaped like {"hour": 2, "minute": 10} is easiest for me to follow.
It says {"hour": 8, "minute": 48}
